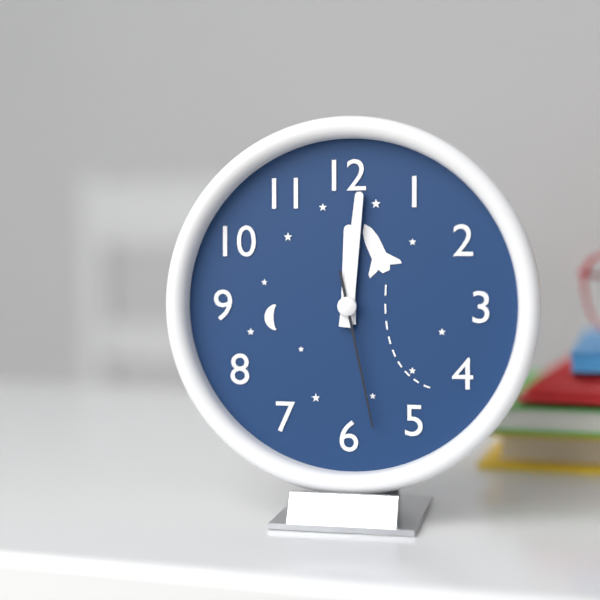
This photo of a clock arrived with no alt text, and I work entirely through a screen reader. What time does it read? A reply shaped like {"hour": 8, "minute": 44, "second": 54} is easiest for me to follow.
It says {"hour": 12, "minute": 1, "second": 28}
